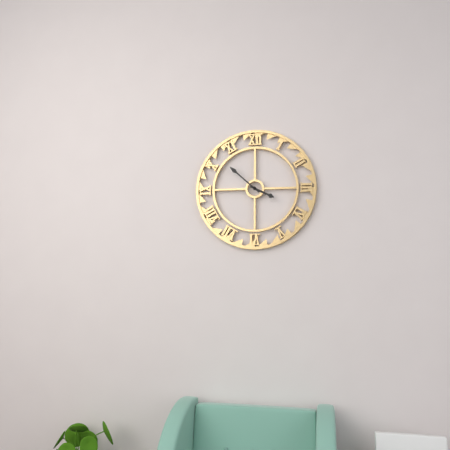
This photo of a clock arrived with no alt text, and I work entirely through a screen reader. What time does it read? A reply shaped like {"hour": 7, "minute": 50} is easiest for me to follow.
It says {"hour": 3, "minute": 52}
